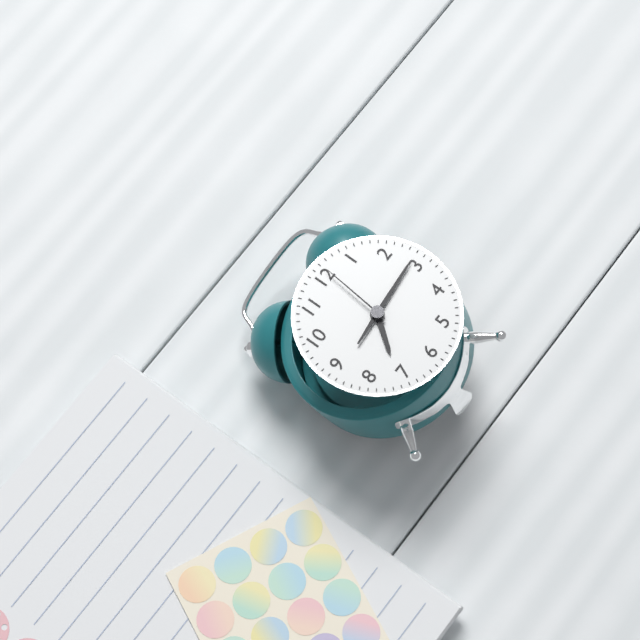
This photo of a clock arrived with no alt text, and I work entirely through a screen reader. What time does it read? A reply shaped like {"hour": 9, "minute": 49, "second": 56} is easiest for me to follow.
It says {"hour": 7, "minute": 14, "second": 1}
